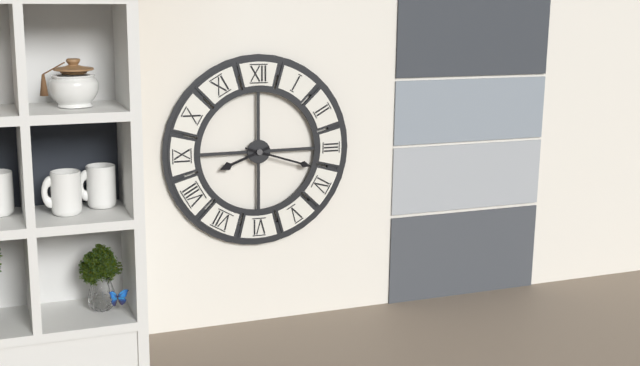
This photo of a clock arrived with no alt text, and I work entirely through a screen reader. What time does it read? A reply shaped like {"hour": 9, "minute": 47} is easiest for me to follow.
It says {"hour": 8, "minute": 18}
